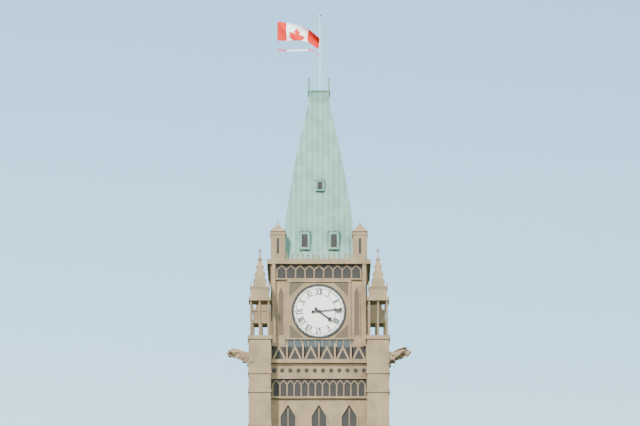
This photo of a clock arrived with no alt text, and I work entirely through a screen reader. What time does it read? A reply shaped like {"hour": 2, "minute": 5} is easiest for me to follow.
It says {"hour": 4, "minute": 14}
